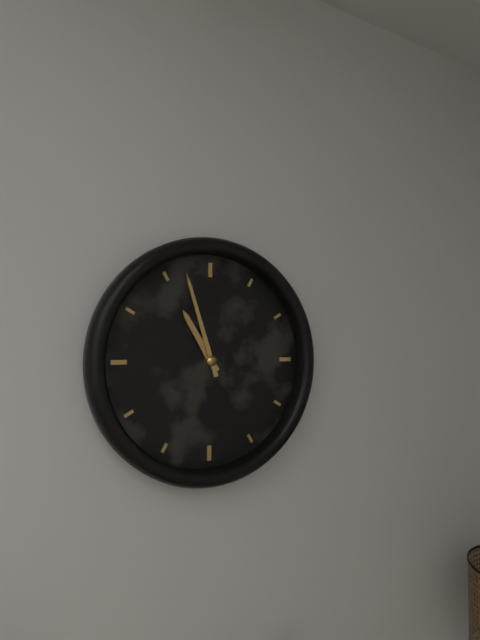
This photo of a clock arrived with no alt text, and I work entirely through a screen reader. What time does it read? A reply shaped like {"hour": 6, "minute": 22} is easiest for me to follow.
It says {"hour": 10, "minute": 57}
